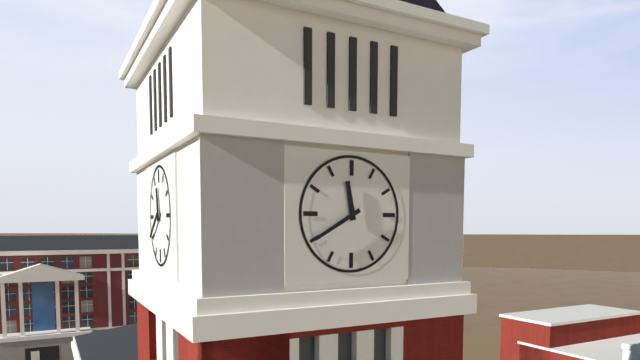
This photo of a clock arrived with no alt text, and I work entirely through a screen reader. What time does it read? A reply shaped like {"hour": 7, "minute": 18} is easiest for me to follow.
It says {"hour": 11, "minute": 40}
